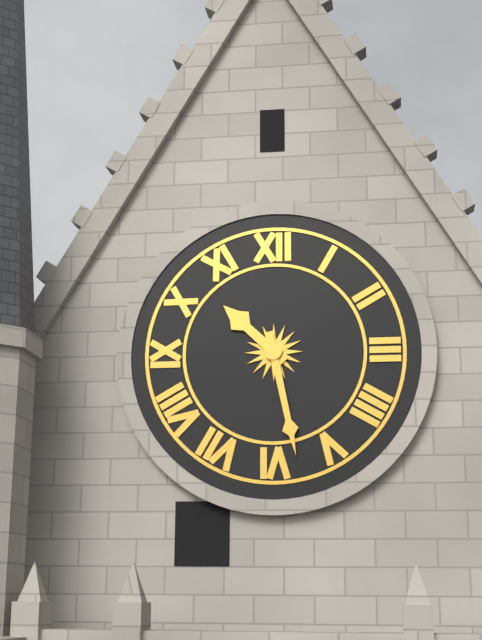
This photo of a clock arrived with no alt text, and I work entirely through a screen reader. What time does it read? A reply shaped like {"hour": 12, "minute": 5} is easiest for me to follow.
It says {"hour": 10, "minute": 28}
